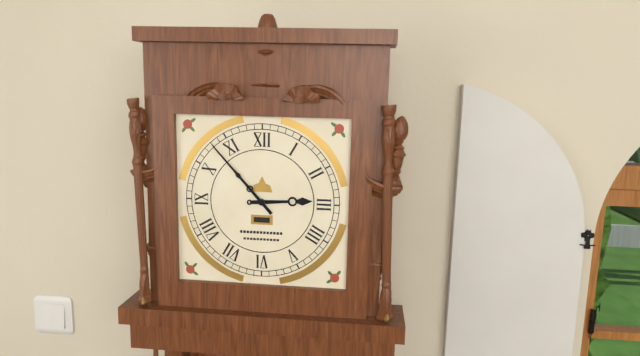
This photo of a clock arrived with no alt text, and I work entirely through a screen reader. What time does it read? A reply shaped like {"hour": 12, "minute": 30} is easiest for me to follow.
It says {"hour": 2, "minute": 53}
